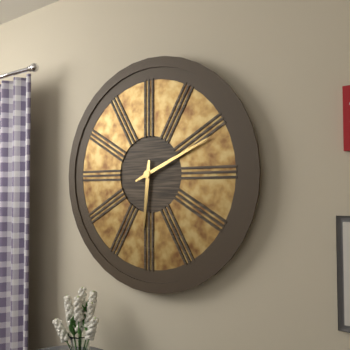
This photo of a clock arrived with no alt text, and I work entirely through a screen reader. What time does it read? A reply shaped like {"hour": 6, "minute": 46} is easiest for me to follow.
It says {"hour": 6, "minute": 11}
